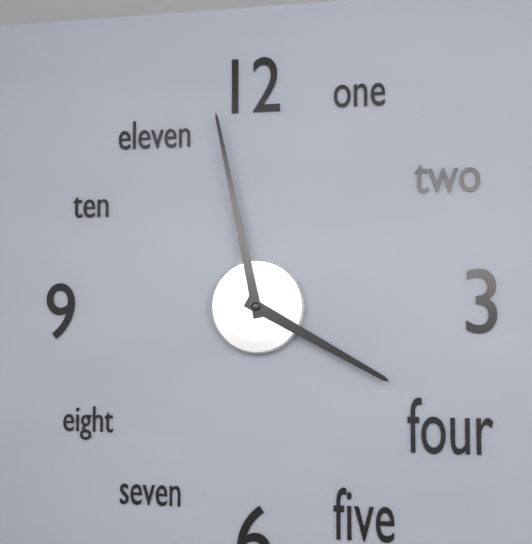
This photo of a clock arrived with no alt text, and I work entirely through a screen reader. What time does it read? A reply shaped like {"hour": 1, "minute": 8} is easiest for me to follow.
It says {"hour": 3, "minute": 58}
